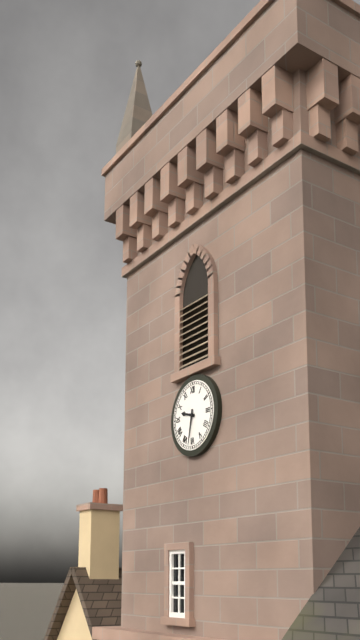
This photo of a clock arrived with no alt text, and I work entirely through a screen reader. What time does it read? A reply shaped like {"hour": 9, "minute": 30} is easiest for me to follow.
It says {"hour": 9, "minute": 32}
